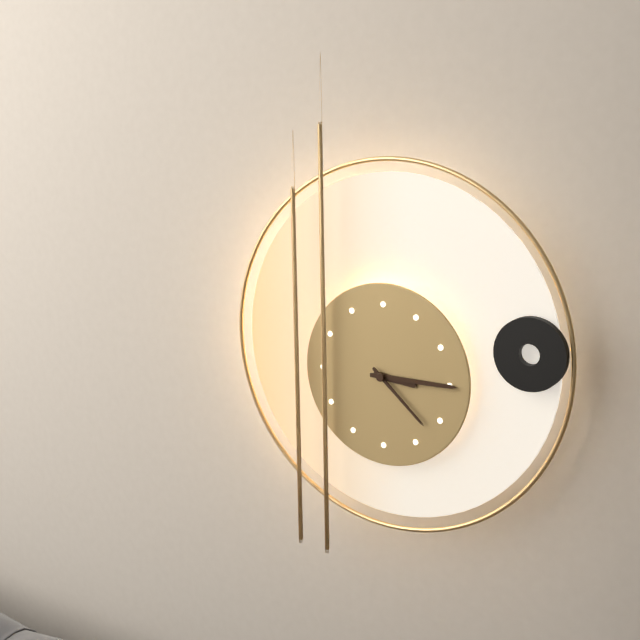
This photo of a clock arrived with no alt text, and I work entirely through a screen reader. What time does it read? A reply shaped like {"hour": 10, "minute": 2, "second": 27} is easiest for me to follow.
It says {"hour": 3, "minute": 15, "second": 22}
